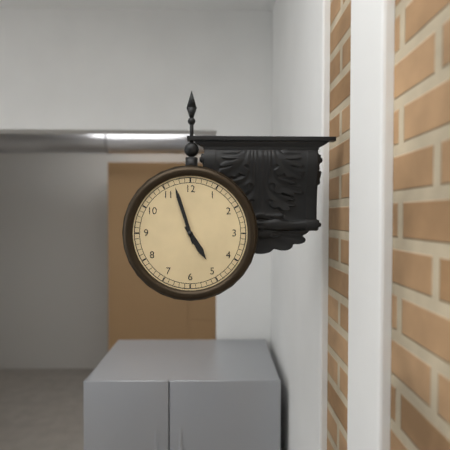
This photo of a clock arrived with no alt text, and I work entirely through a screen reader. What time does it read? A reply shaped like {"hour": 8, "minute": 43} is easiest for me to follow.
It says {"hour": 4, "minute": 57}
